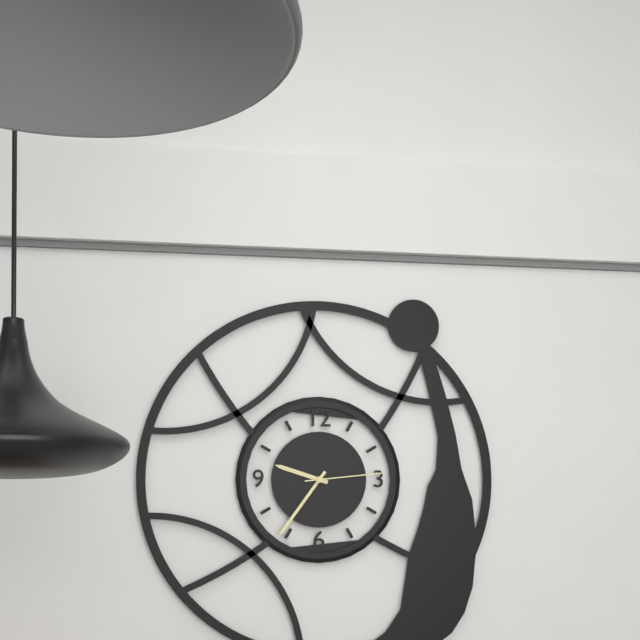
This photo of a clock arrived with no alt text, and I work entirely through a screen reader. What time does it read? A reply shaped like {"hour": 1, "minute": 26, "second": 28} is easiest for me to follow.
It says {"hour": 9, "minute": 36, "second": 14}
